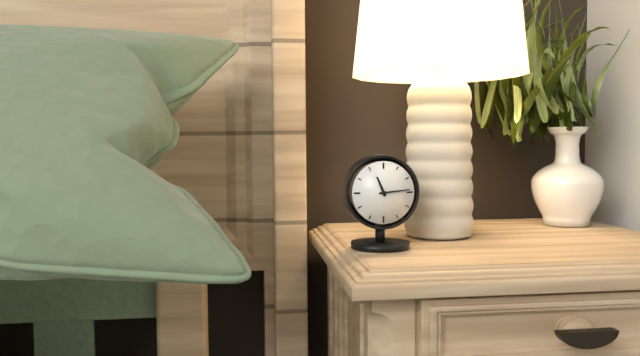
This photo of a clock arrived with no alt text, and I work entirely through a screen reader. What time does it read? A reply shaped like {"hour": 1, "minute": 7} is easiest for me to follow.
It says {"hour": 11, "minute": 14}
